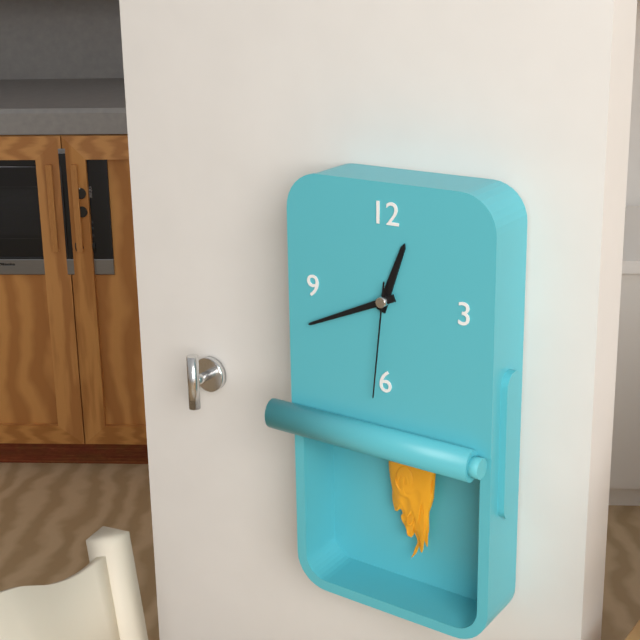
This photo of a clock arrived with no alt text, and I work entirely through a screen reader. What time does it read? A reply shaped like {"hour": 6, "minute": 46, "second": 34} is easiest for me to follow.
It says {"hour": 12, "minute": 41, "second": 31}
